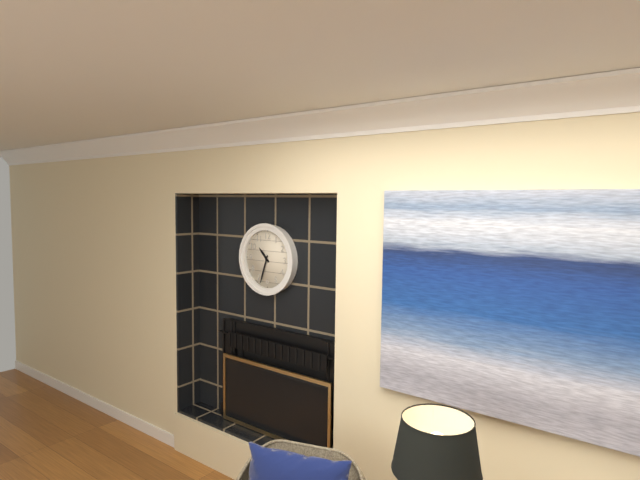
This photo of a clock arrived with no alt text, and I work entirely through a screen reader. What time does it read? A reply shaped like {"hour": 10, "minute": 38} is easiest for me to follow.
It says {"hour": 10, "minute": 33}
